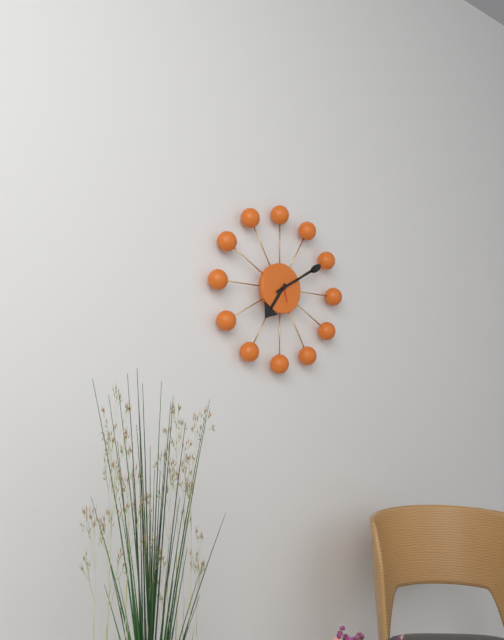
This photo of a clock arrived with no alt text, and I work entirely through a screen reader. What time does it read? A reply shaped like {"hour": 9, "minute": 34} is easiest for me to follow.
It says {"hour": 7, "minute": 10}
